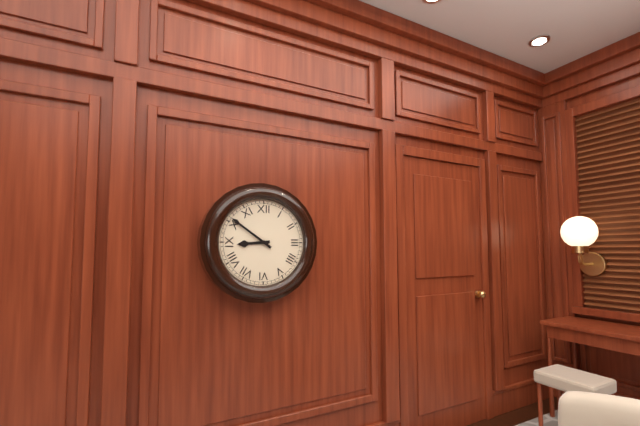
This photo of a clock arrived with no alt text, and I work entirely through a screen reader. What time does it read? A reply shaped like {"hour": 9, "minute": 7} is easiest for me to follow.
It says {"hour": 8, "minute": 51}
